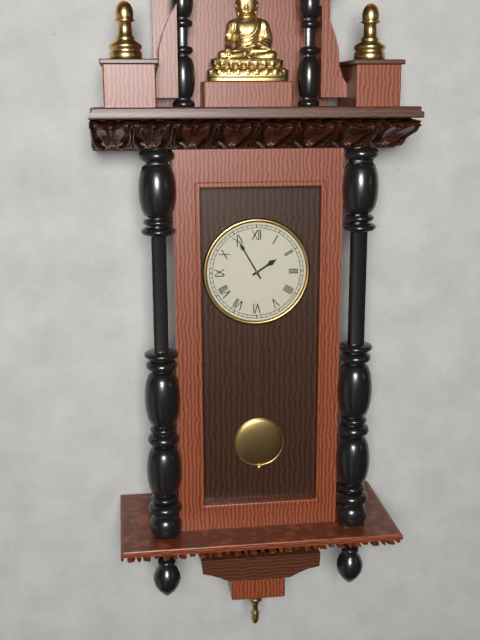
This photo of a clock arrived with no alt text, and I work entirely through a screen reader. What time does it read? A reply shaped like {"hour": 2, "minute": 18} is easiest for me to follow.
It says {"hour": 1, "minute": 55}
